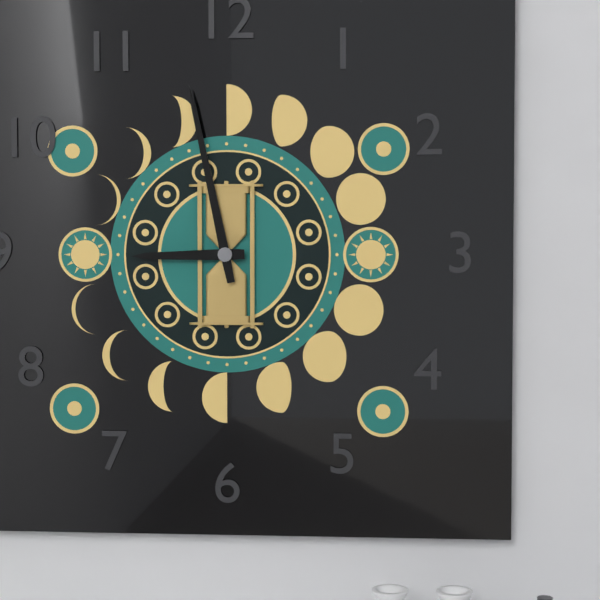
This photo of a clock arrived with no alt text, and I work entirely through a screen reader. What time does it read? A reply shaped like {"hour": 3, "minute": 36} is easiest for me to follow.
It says {"hour": 8, "minute": 58}
